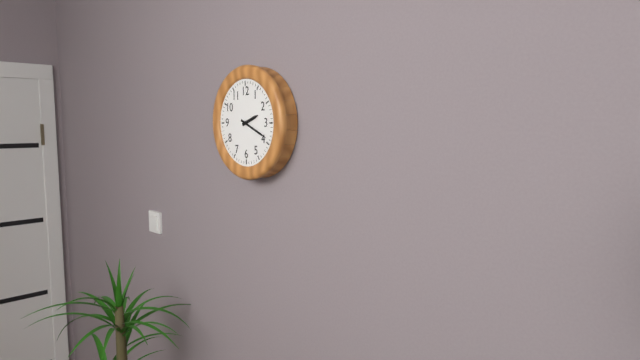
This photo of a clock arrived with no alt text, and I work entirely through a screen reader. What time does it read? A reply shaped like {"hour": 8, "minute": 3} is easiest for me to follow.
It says {"hour": 2, "minute": 19}
